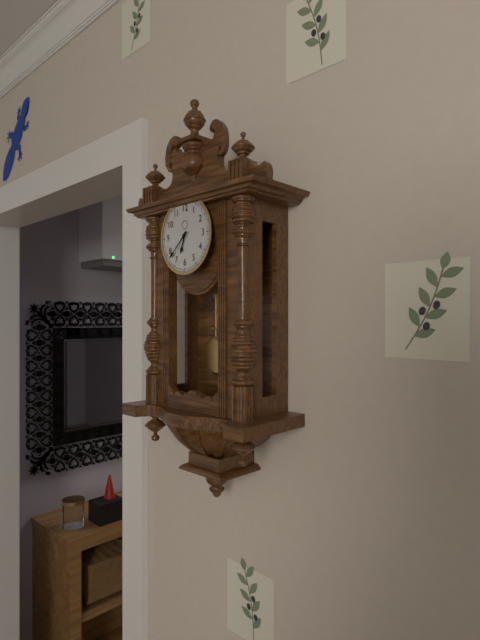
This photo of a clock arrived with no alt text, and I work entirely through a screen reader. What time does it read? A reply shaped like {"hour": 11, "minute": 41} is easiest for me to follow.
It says {"hour": 6, "minute": 38}
